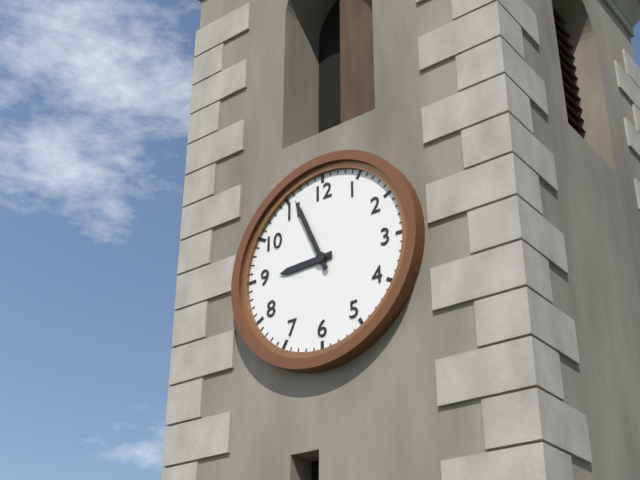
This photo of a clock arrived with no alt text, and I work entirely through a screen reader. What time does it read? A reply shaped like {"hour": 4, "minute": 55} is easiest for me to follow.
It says {"hour": 8, "minute": 56}
